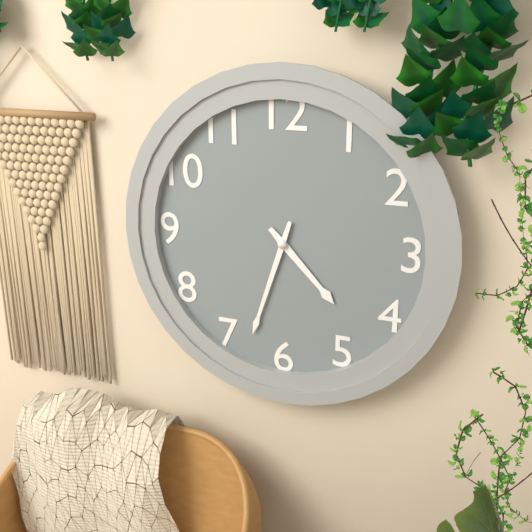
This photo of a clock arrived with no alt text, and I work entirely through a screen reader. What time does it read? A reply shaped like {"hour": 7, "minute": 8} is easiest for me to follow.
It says {"hour": 4, "minute": 33}
